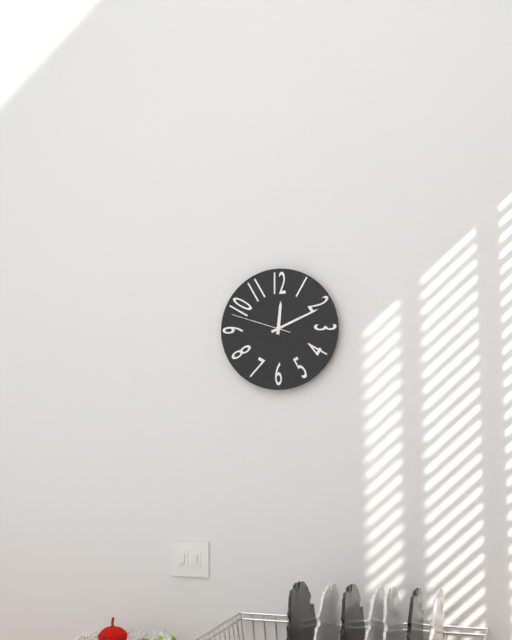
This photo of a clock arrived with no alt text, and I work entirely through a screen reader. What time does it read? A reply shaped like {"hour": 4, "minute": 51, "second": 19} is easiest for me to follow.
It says {"hour": 12, "minute": 11, "second": 48}
